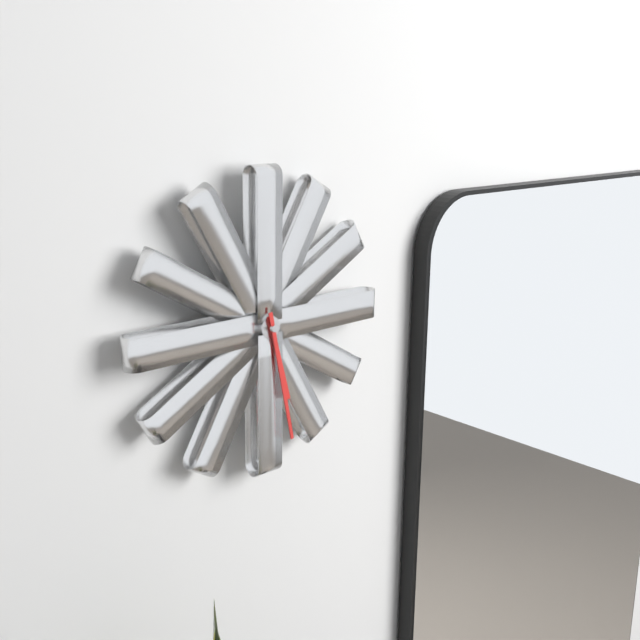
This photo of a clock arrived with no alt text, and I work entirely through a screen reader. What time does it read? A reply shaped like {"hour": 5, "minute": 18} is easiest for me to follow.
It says {"hour": 5, "minute": 28}
